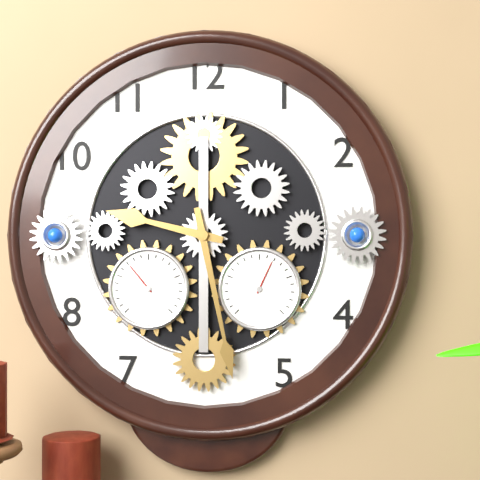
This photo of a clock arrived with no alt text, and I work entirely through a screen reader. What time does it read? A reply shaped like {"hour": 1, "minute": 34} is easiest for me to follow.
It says {"hour": 9, "minute": 28}
